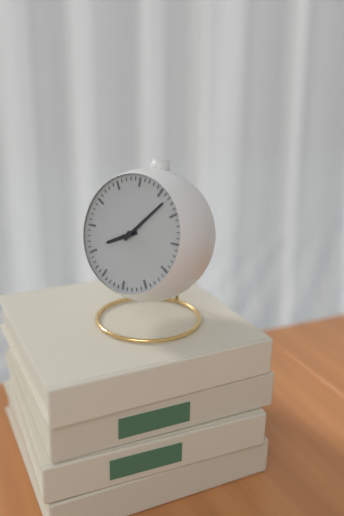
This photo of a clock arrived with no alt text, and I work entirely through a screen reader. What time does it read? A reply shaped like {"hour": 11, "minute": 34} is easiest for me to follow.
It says {"hour": 8, "minute": 7}
